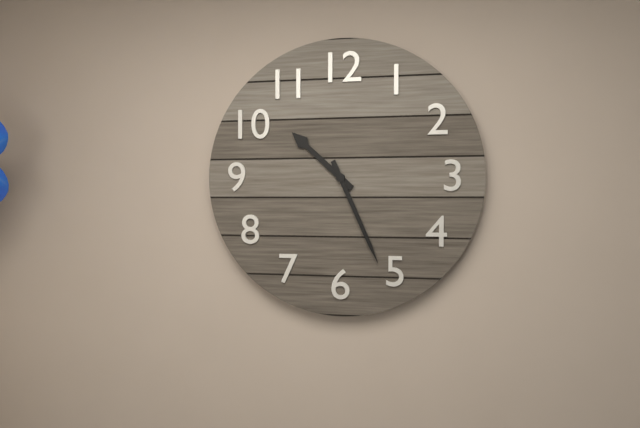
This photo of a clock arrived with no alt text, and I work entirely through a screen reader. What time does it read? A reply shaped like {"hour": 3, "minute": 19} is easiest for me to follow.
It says {"hour": 10, "minute": 26}
